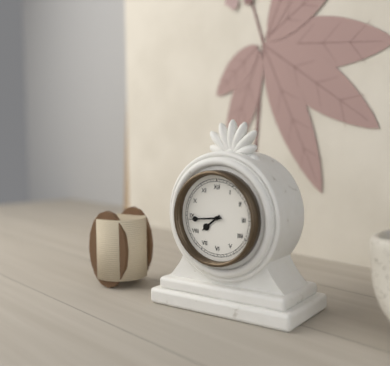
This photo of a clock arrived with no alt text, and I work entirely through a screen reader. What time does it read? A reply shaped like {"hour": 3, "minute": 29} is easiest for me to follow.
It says {"hour": 7, "minute": 44}
